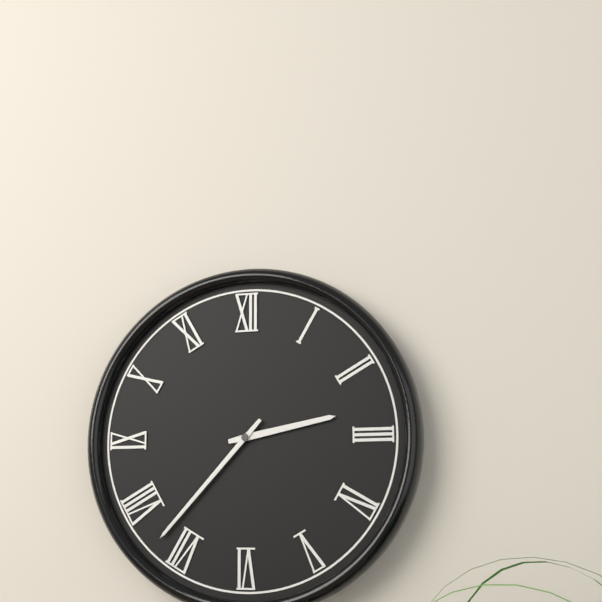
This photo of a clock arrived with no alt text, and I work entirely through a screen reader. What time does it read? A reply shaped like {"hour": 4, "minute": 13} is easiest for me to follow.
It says {"hour": 2, "minute": 37}
